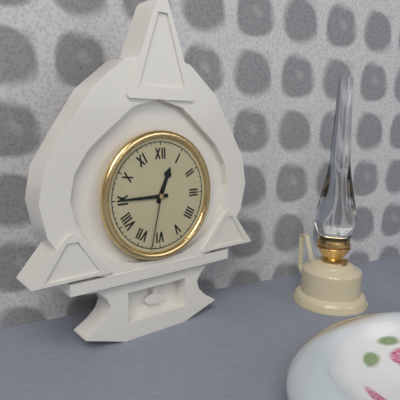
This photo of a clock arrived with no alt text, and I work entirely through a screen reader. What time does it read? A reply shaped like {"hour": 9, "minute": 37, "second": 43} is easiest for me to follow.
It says {"hour": 12, "minute": 45, "second": 32}
